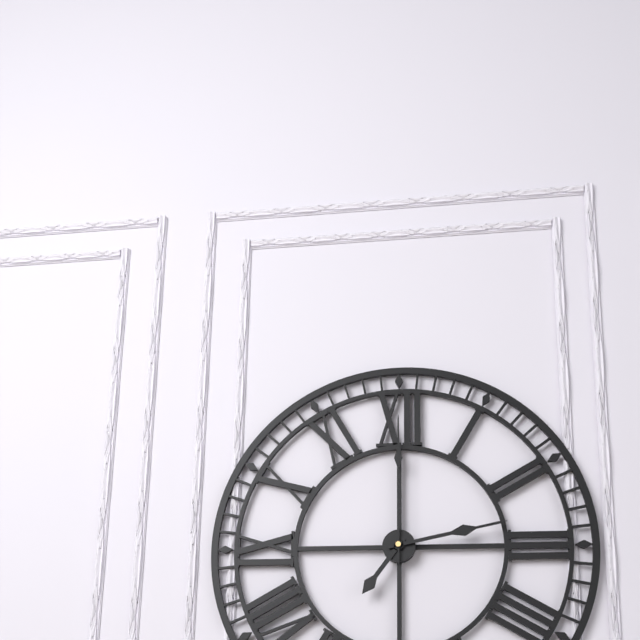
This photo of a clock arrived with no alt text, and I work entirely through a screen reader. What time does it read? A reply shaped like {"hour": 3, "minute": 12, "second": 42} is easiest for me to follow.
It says {"hour": 7, "minute": 13, "second": 0}
